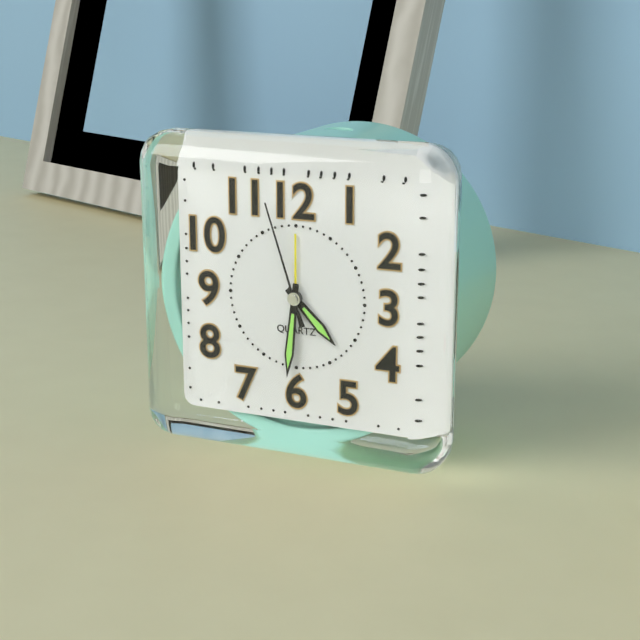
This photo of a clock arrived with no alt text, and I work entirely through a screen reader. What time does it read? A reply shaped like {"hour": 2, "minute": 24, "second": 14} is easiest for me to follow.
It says {"hour": 4, "minute": 31, "second": 57}
